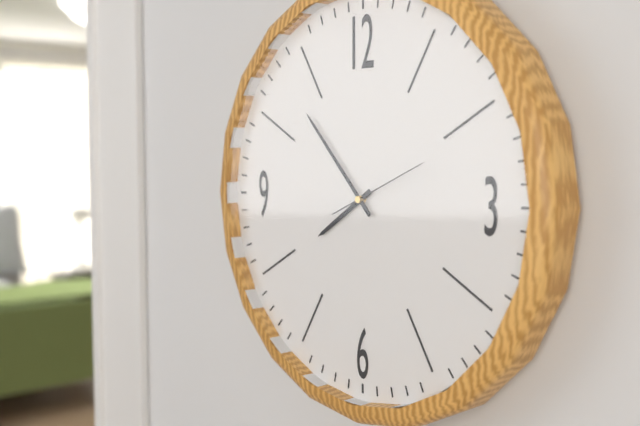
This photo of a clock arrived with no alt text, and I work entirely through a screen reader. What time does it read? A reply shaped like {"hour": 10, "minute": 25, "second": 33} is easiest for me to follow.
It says {"hour": 7, "minute": 53, "second": 11}
